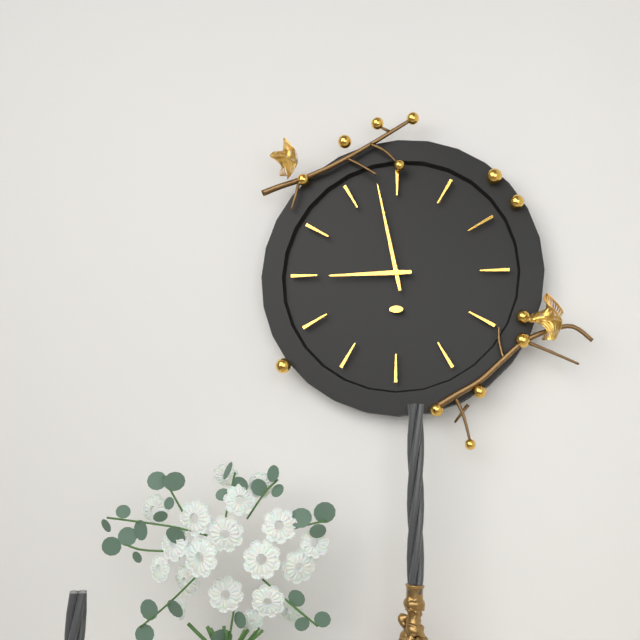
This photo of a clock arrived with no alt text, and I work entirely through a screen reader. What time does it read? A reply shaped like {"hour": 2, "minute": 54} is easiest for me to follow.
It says {"hour": 8, "minute": 58}
